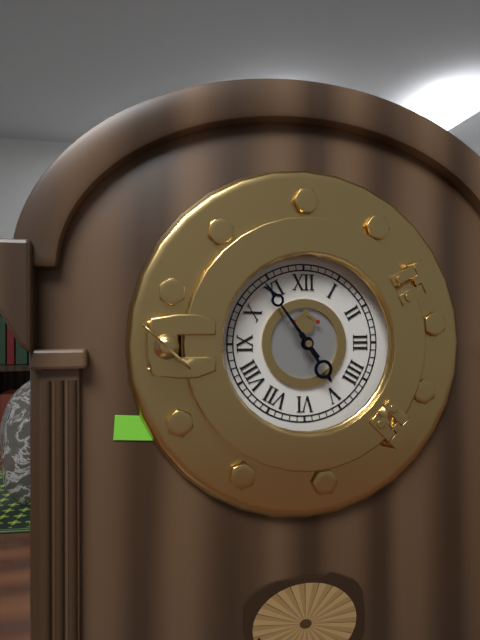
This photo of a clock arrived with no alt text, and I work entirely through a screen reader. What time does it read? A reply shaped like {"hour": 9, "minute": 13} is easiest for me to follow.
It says {"hour": 4, "minute": 54}
